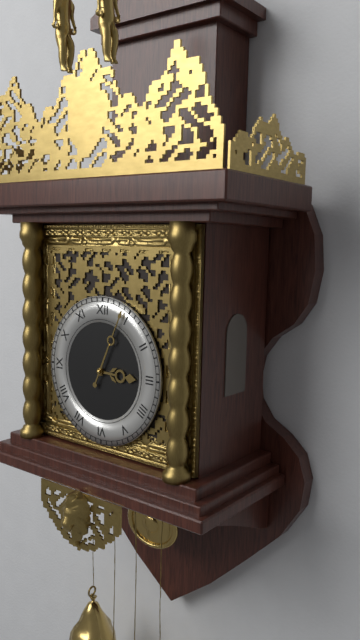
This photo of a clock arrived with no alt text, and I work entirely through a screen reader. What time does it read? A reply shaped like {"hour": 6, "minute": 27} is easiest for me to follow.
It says {"hour": 3, "minute": 4}
